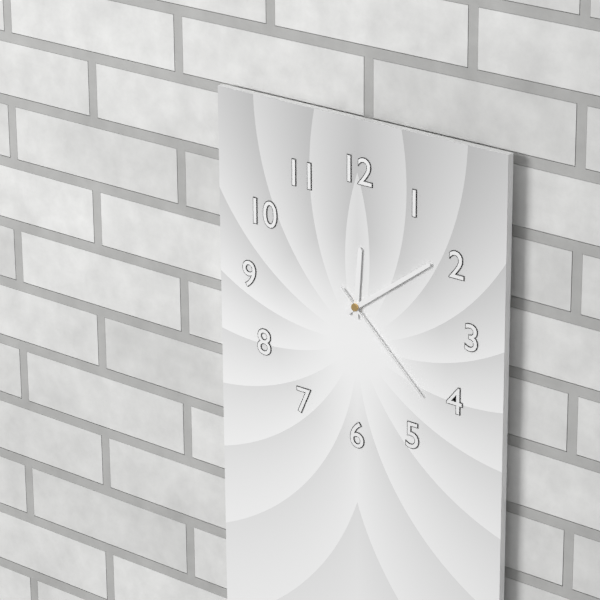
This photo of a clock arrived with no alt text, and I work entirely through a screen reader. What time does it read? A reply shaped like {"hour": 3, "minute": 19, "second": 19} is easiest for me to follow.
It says {"hour": 12, "minute": 9, "second": 22}
